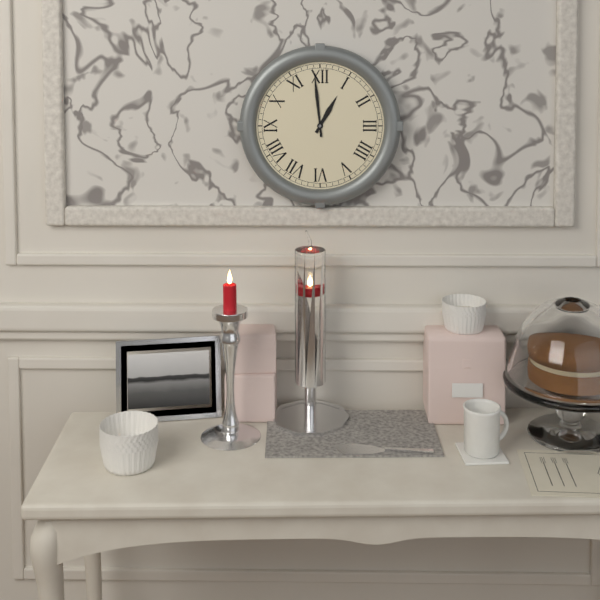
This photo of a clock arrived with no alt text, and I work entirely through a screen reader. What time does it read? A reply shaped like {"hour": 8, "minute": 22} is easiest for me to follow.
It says {"hour": 12, "minute": 59}
